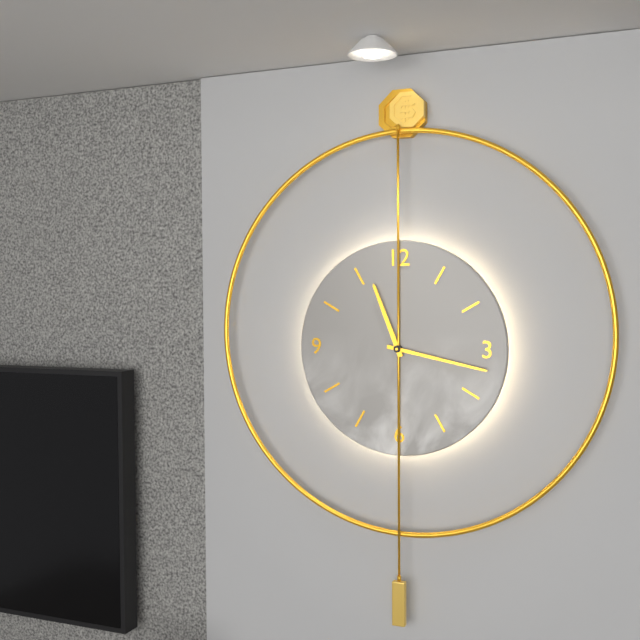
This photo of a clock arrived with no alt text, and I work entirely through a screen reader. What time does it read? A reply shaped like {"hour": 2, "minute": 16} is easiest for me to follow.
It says {"hour": 11, "minute": 17}
